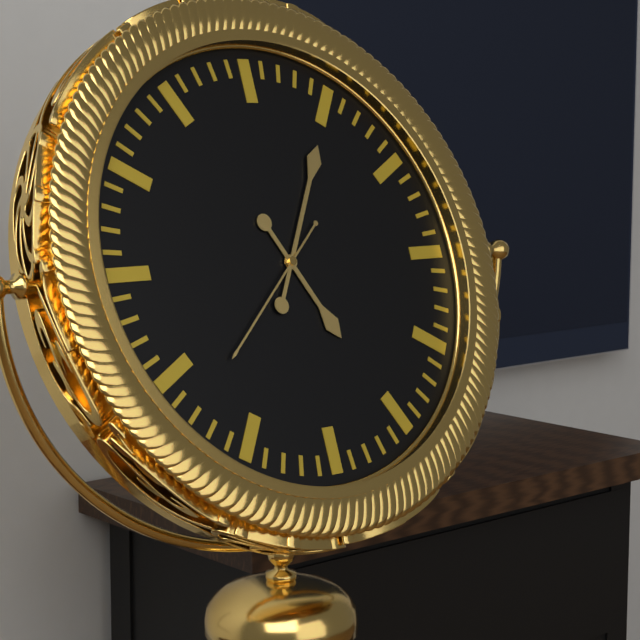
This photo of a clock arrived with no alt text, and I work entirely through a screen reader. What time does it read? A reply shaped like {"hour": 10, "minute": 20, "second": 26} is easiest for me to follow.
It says {"hour": 5, "minute": 5, "second": 38}
